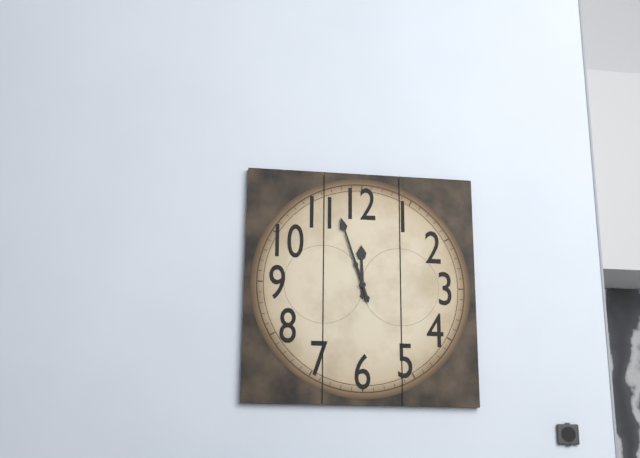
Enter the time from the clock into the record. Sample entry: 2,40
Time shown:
11,57
